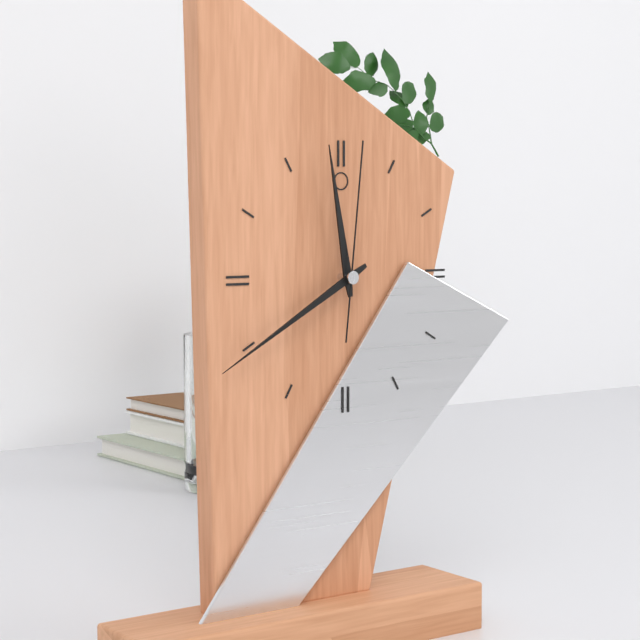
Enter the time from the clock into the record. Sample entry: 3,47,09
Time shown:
11,40,01
